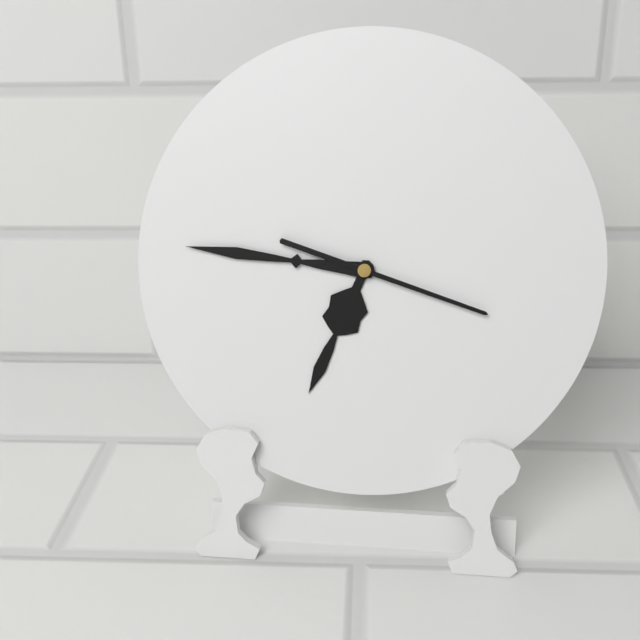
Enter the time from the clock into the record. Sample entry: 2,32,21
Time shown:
6,46,18
